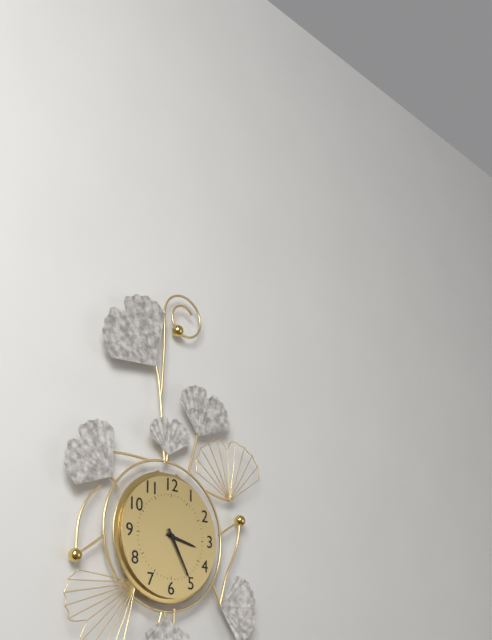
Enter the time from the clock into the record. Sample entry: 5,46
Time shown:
3,25
